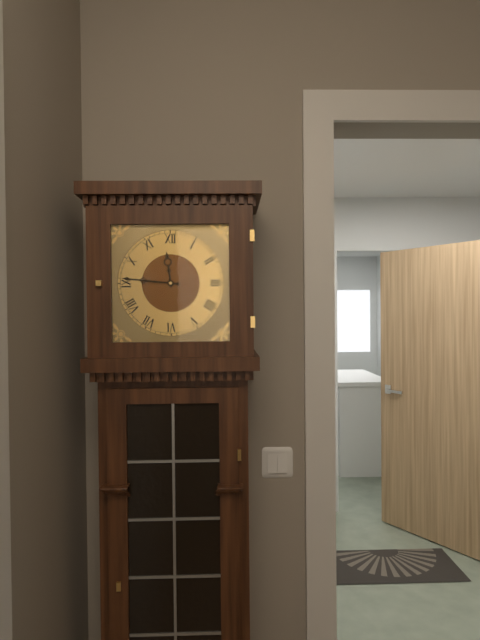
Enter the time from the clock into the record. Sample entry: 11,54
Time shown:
11,46
